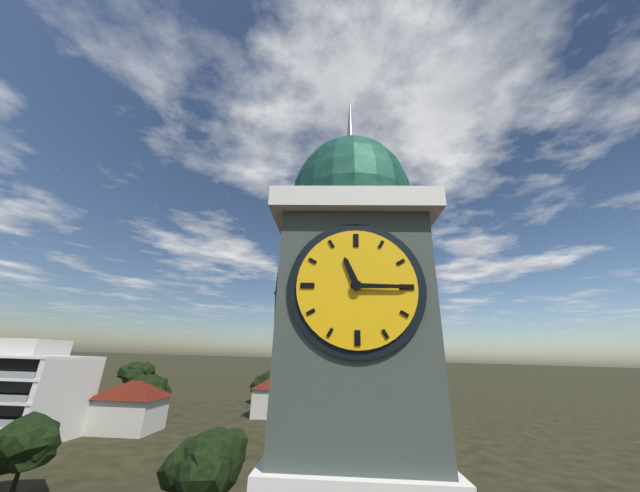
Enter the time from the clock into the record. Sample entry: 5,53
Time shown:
11,15
